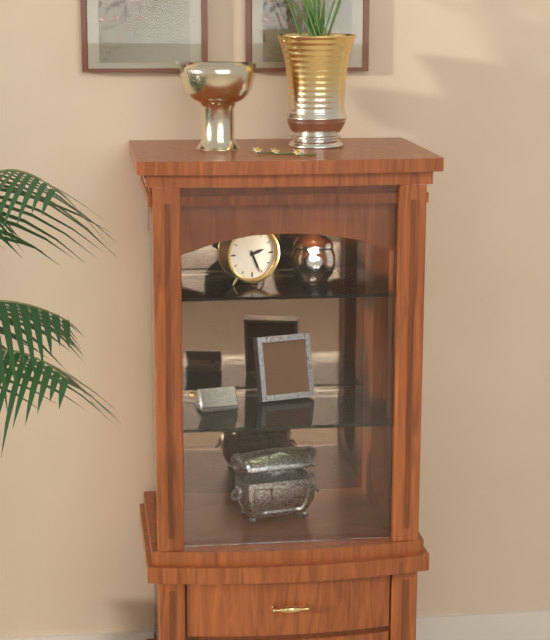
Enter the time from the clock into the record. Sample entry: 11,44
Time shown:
2,26
